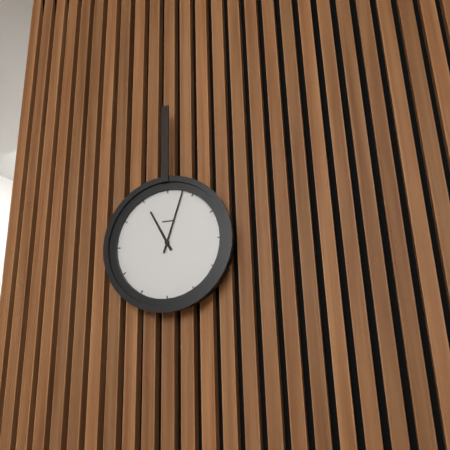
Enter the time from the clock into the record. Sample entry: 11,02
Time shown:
11,03
